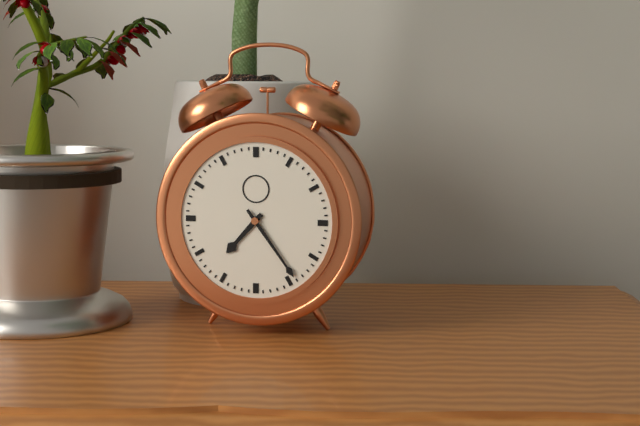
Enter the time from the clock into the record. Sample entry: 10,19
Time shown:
7,24
